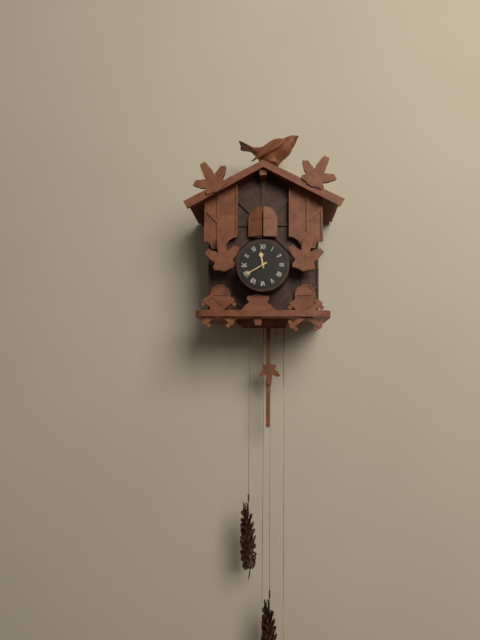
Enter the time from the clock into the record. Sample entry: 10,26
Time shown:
11,40
